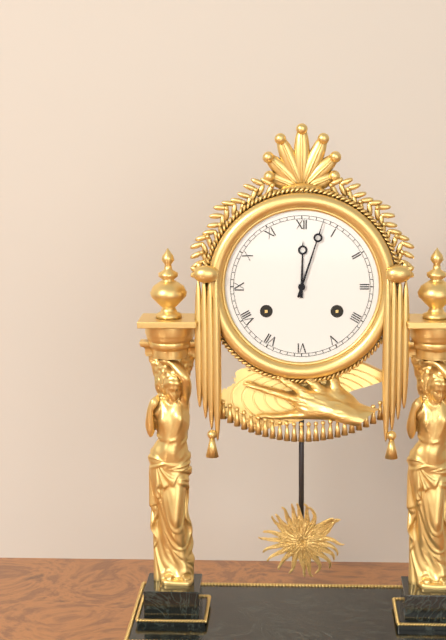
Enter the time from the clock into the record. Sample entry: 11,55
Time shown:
12,03
